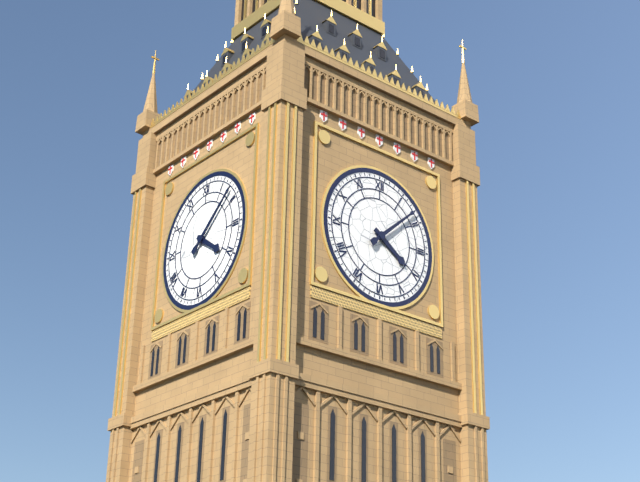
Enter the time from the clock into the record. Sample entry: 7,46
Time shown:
4,08
